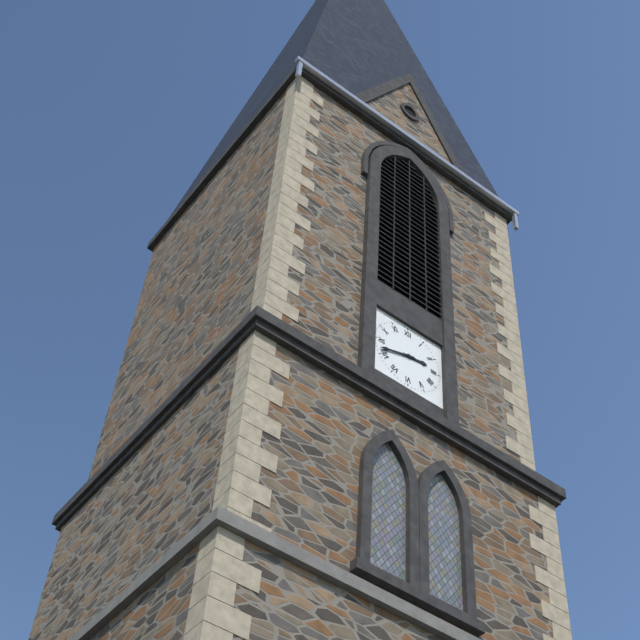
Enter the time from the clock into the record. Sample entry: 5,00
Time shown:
2,42
